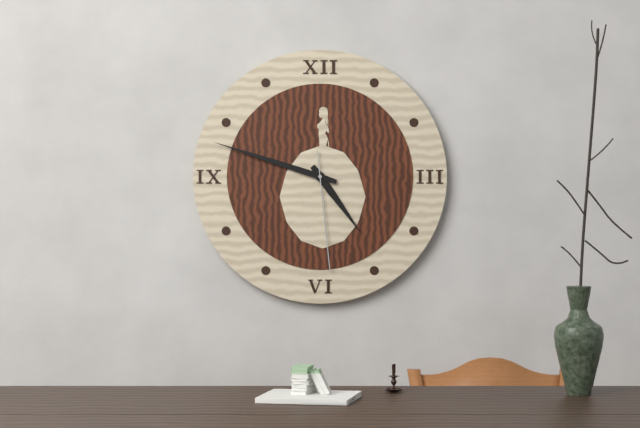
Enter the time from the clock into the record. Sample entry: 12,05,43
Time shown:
4,48,29
